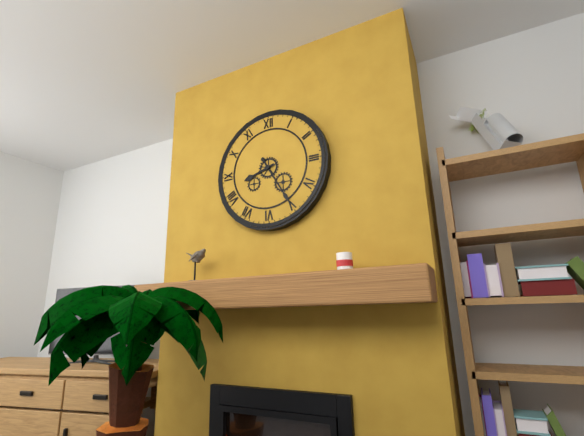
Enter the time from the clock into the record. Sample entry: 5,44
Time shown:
8,25
